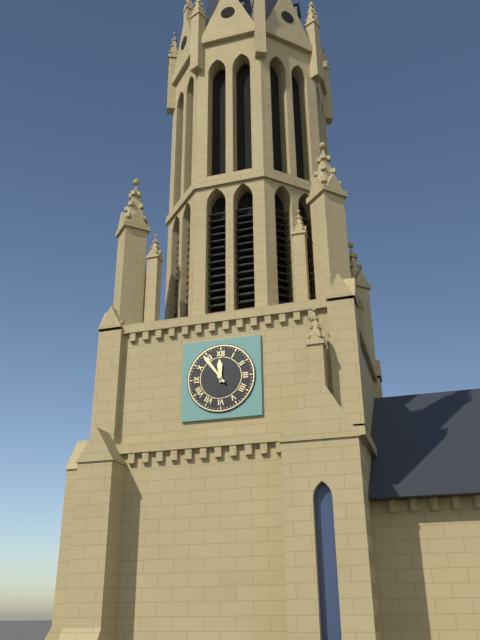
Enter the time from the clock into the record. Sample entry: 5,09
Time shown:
11,54
